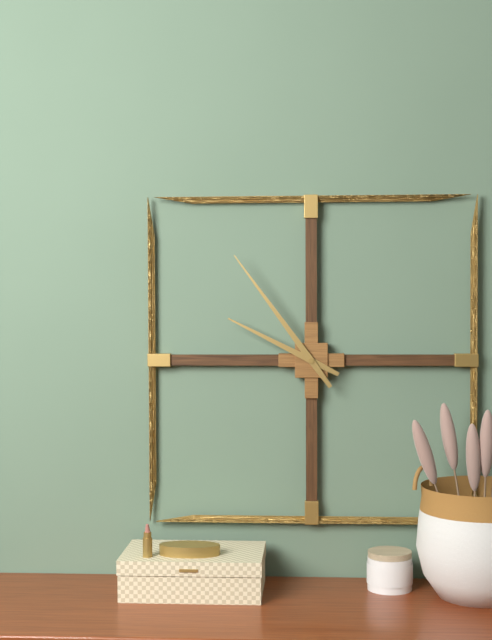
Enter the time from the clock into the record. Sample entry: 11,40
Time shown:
9,54
